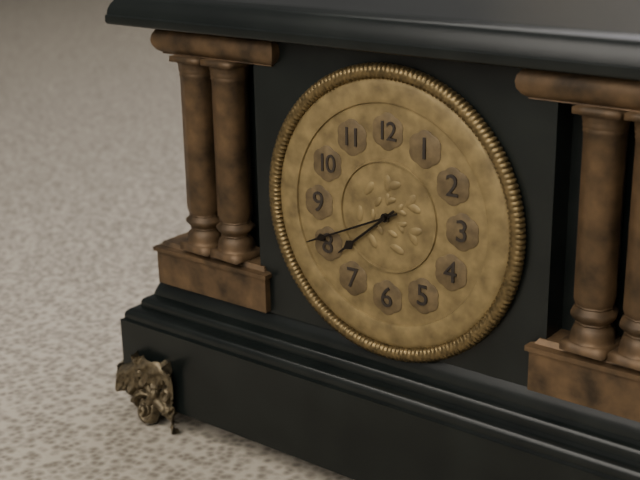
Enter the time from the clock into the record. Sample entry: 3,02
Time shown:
7,41
